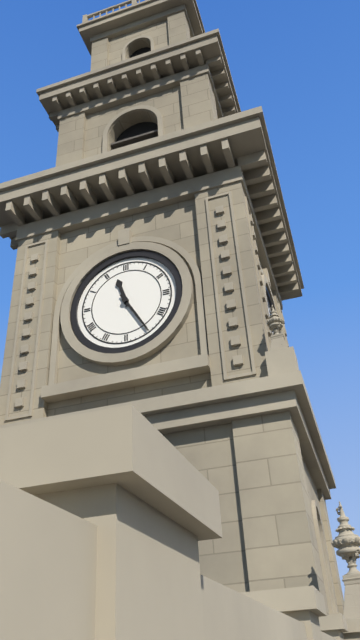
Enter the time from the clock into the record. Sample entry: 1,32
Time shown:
11,25
